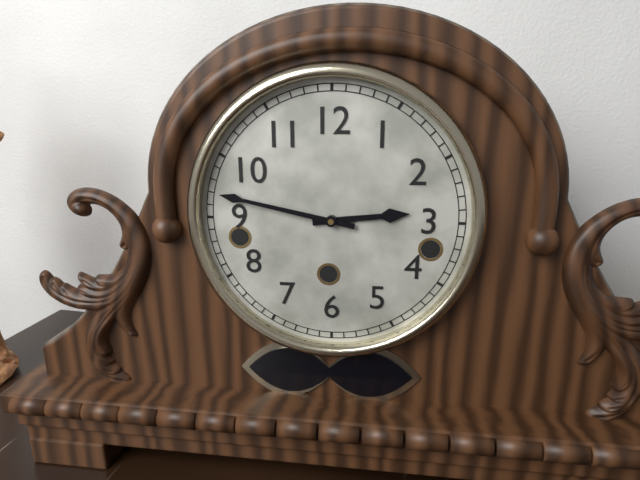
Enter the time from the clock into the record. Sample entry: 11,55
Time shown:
2,47
